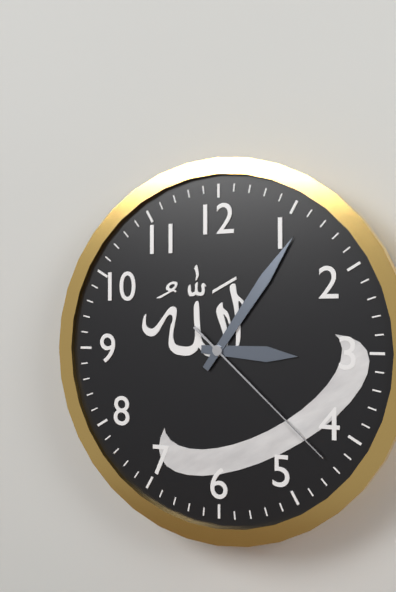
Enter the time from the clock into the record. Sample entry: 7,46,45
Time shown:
3,06,22
